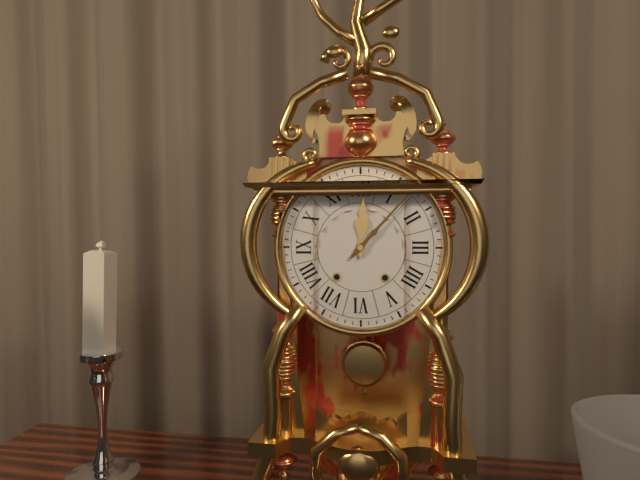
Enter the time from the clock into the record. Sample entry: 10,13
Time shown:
12,07
